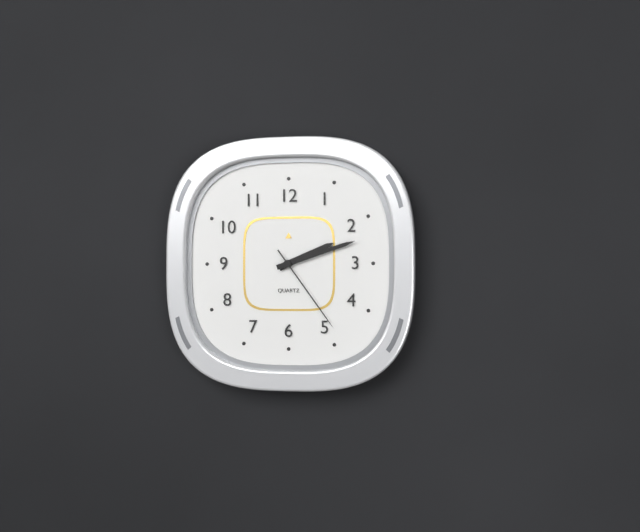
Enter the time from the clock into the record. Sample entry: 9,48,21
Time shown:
2,12,24
